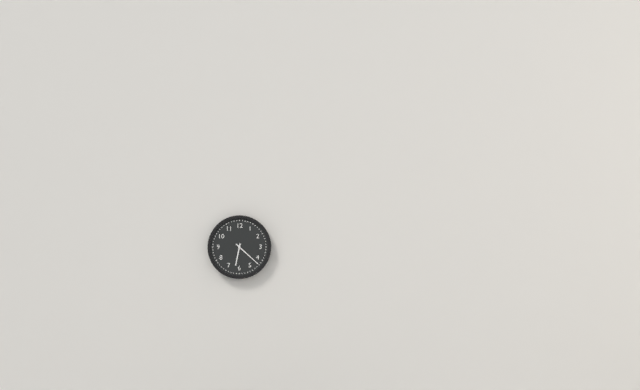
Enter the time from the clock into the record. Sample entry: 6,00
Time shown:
6,22
